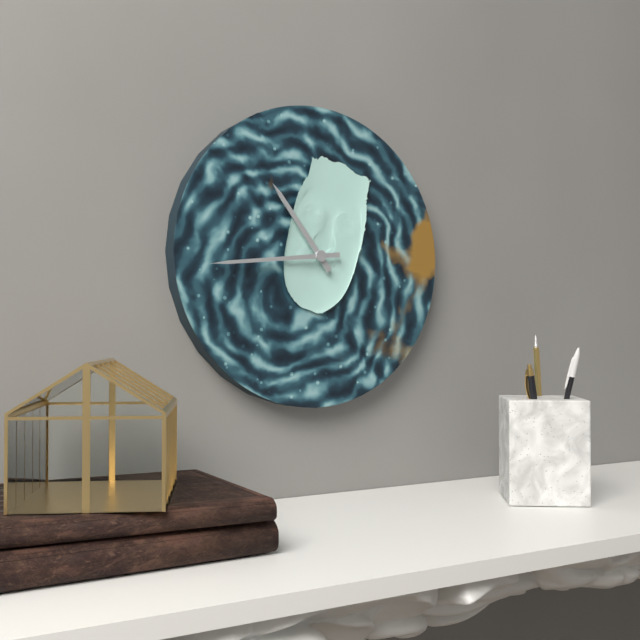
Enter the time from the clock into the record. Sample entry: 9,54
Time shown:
10,44
